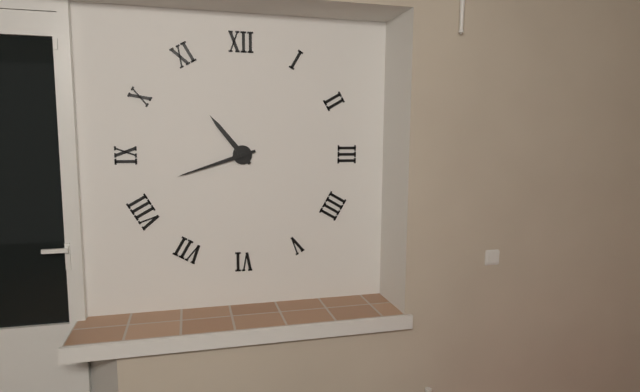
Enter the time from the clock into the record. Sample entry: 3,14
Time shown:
10,42
